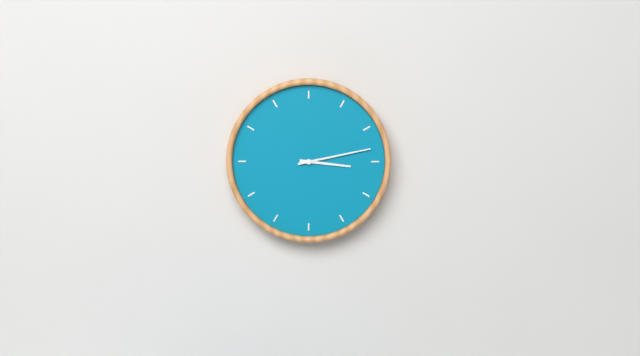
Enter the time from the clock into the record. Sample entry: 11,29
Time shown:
3,13
